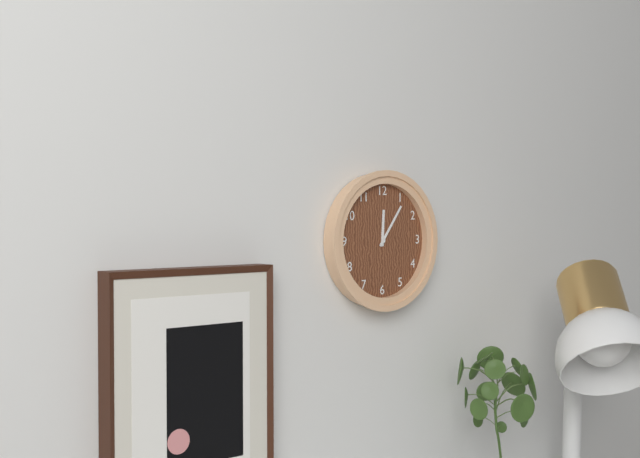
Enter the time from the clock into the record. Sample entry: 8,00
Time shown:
12,06
